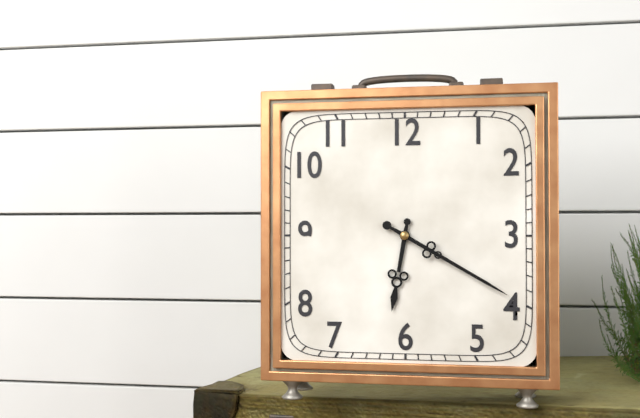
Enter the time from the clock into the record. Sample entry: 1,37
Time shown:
6,20
